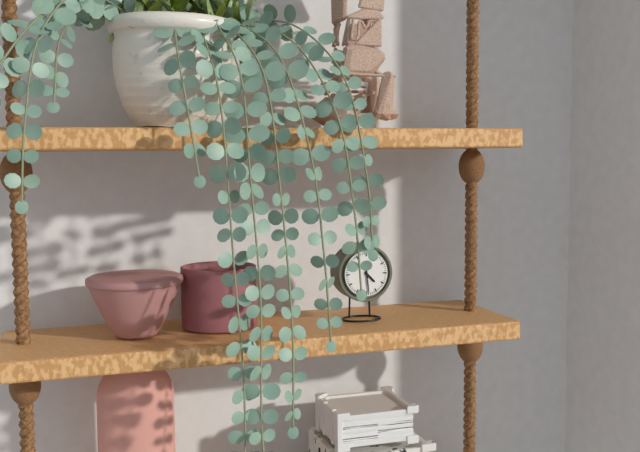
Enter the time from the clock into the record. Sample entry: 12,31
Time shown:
4,29
